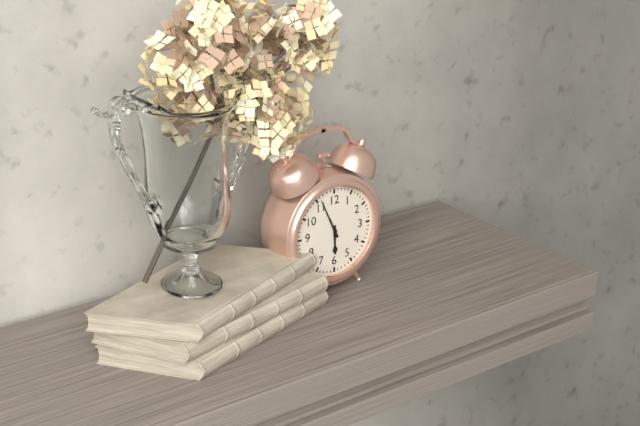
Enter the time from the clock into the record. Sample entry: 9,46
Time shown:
5,56
